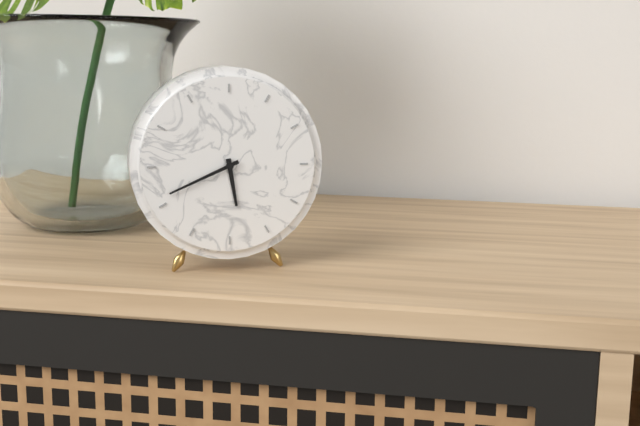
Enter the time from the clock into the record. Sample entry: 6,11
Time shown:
5,41
